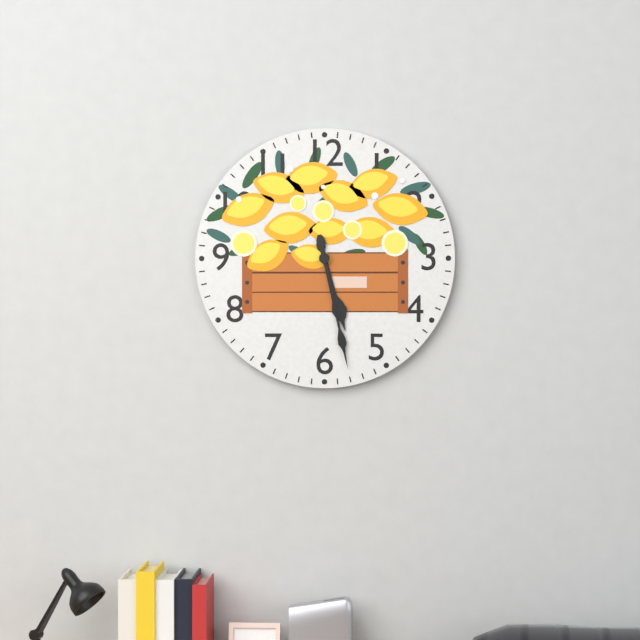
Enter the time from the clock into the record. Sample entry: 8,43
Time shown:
5,28
